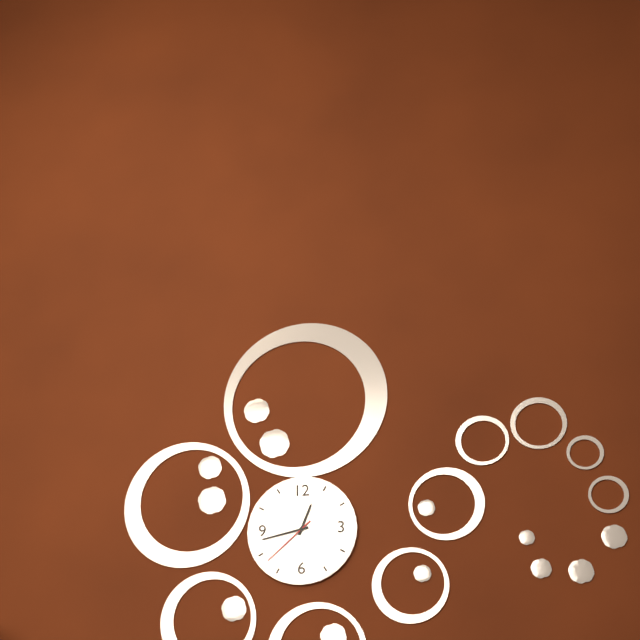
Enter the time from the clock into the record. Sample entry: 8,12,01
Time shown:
12,43,38
